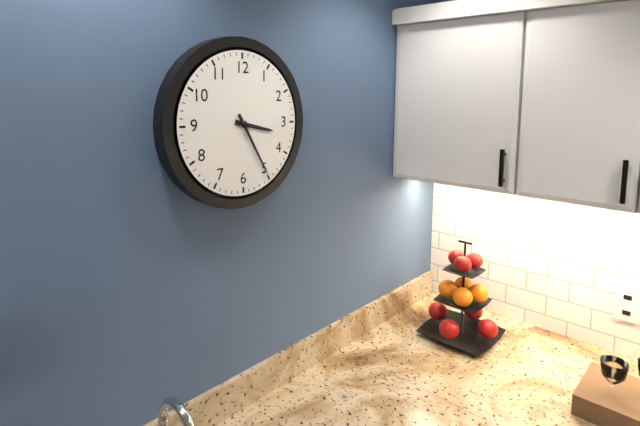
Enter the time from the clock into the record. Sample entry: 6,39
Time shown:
3,25
